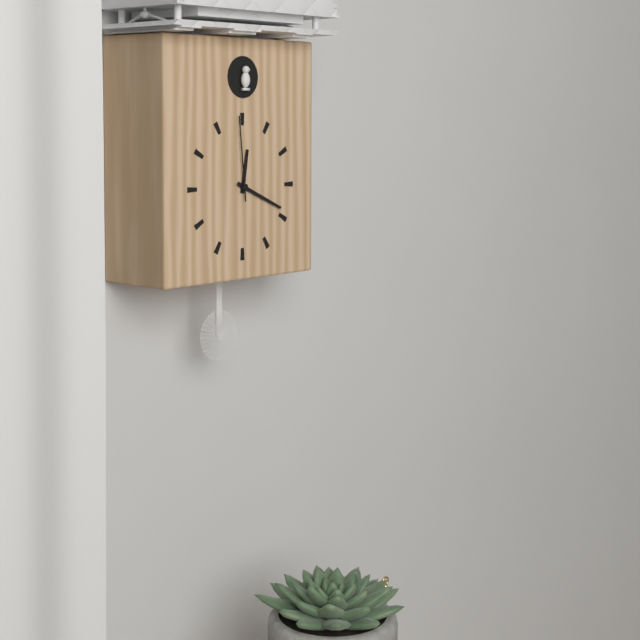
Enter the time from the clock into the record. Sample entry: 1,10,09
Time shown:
12,19,59
